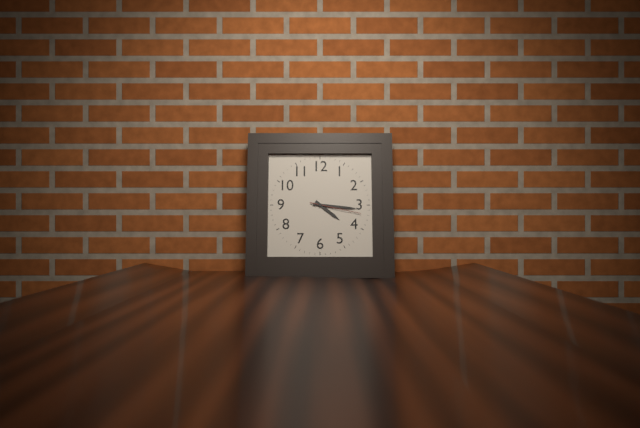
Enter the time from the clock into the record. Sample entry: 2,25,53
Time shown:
4,16,17
